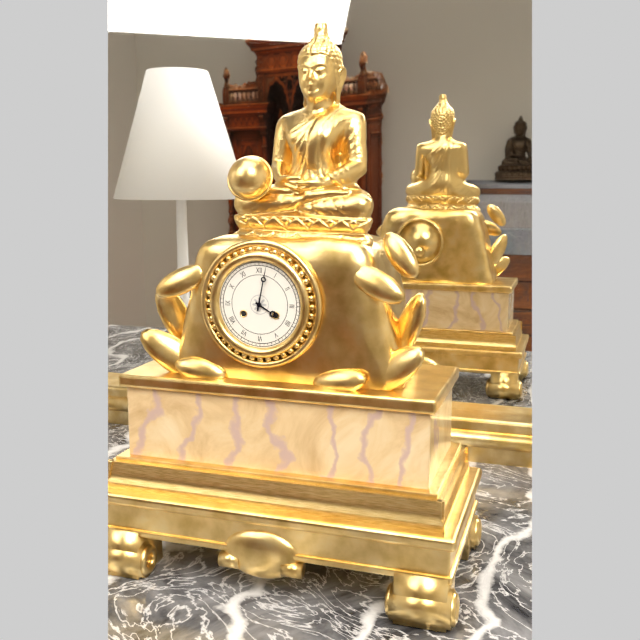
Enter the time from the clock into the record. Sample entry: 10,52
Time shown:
4,02
